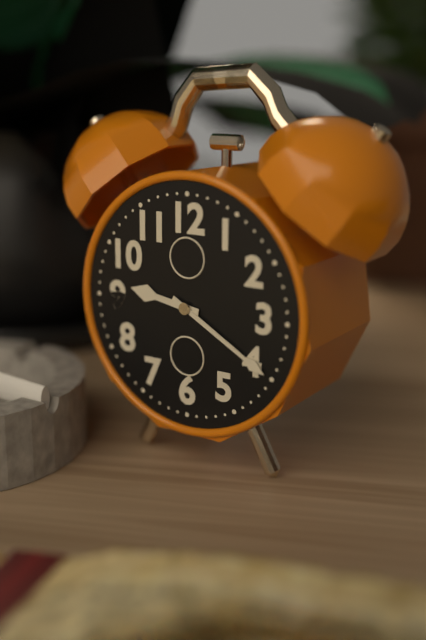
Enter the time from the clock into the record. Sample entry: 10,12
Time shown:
9,20
